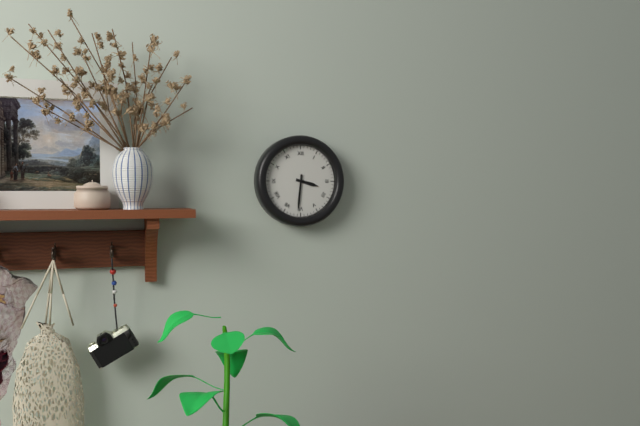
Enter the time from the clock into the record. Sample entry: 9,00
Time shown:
3,31
